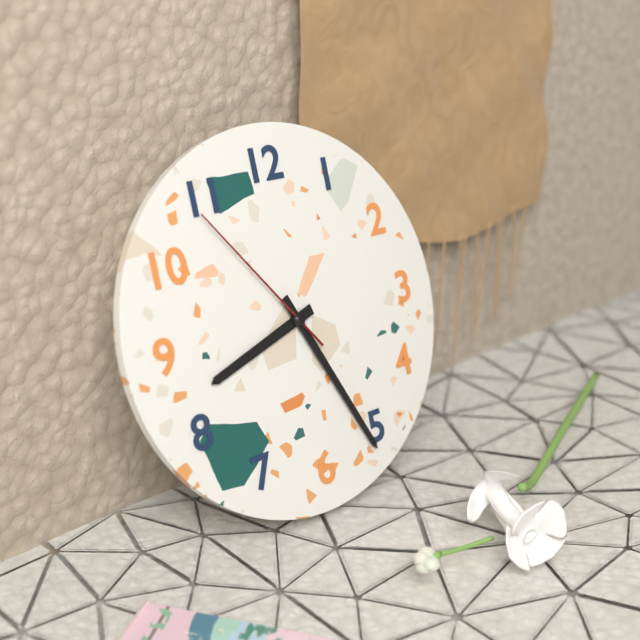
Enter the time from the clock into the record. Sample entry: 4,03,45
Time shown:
8,26,54
